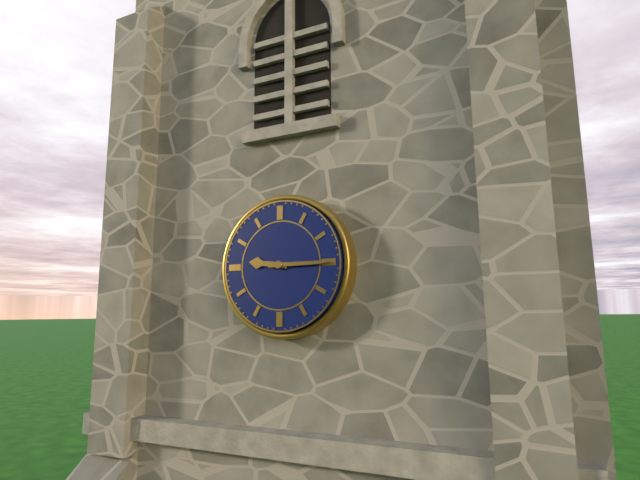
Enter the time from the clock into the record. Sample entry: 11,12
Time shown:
9,15
